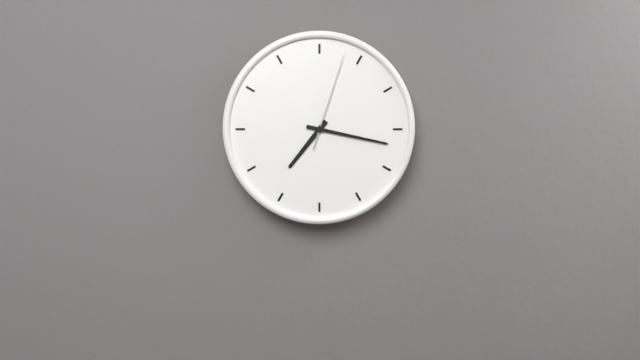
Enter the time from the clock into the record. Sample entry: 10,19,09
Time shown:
7,17,03
